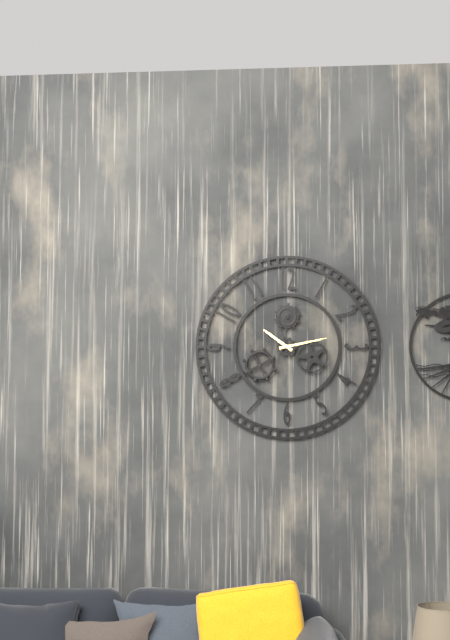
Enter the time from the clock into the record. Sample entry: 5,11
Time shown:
10,13
